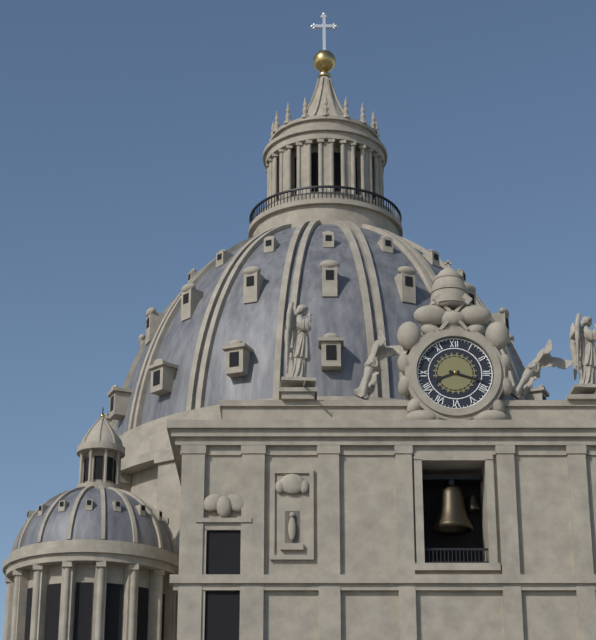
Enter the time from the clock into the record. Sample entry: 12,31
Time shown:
8,18
